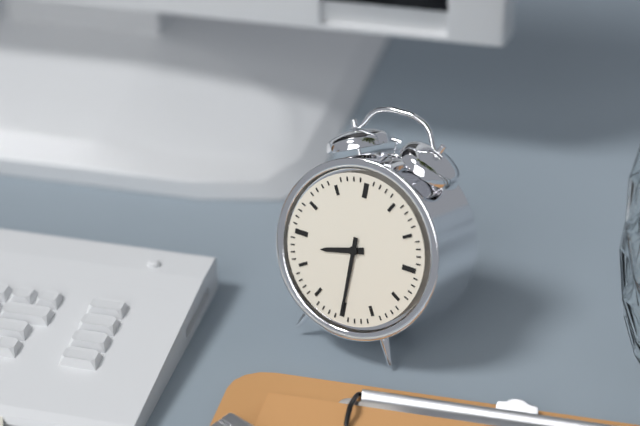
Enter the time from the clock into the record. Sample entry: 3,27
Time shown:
8,30
